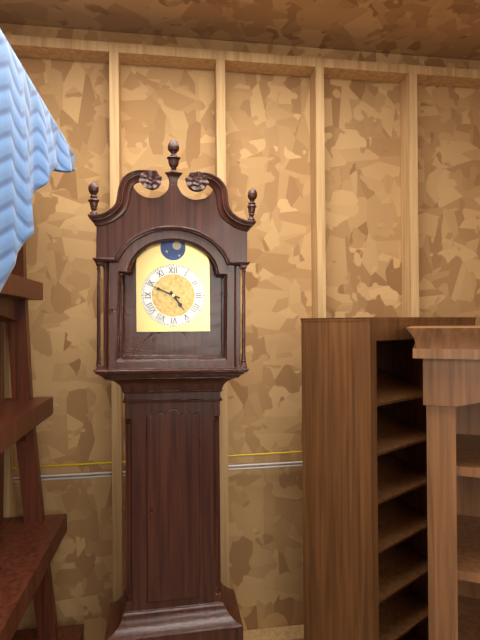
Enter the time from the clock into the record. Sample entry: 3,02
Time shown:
4,49
